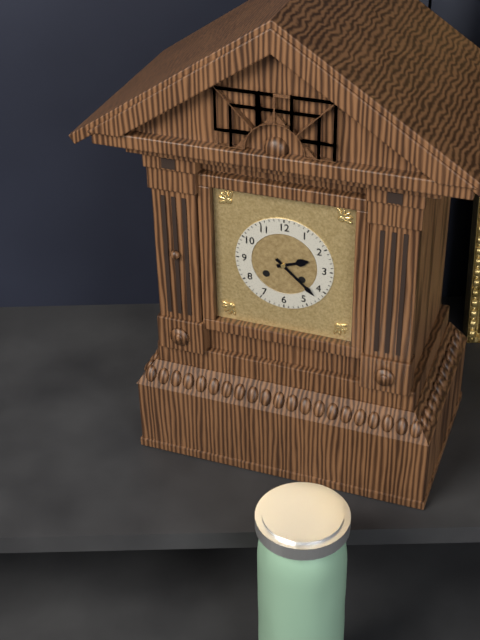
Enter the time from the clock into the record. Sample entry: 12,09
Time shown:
2,22
